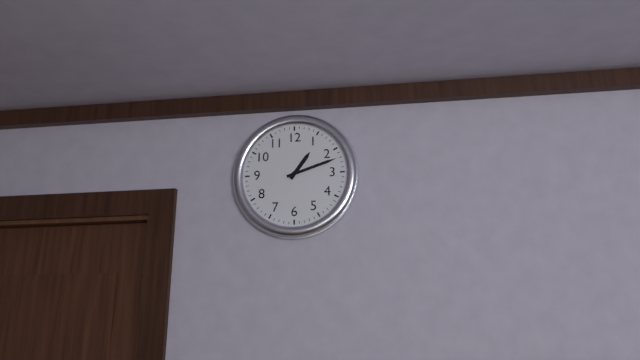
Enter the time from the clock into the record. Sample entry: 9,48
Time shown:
1,12
